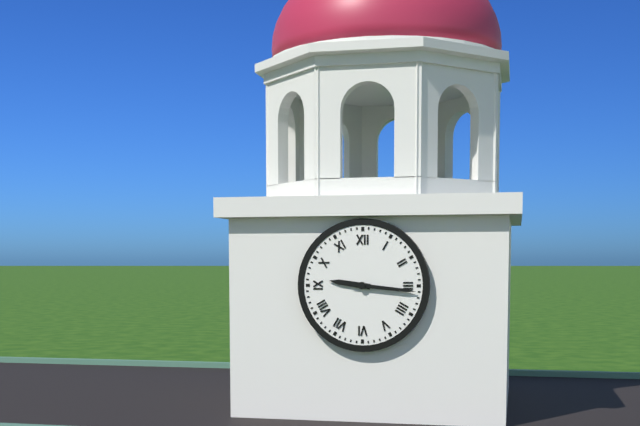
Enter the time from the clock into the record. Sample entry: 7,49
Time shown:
9,16
